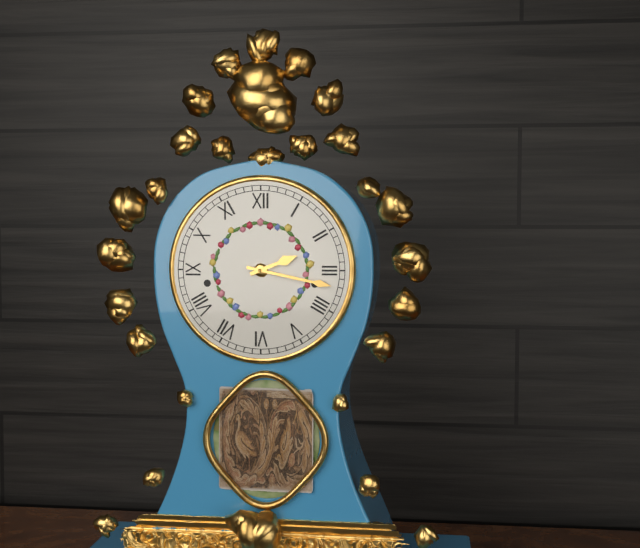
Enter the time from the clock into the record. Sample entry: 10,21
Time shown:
2,17
